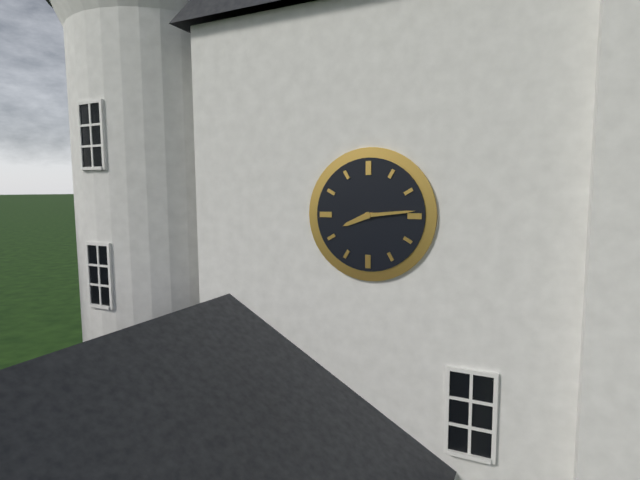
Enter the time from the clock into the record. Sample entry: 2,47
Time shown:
8,14
